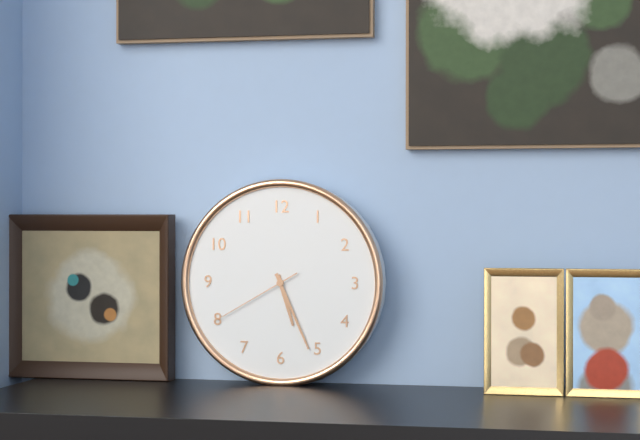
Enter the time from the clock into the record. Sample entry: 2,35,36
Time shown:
5,26,40
